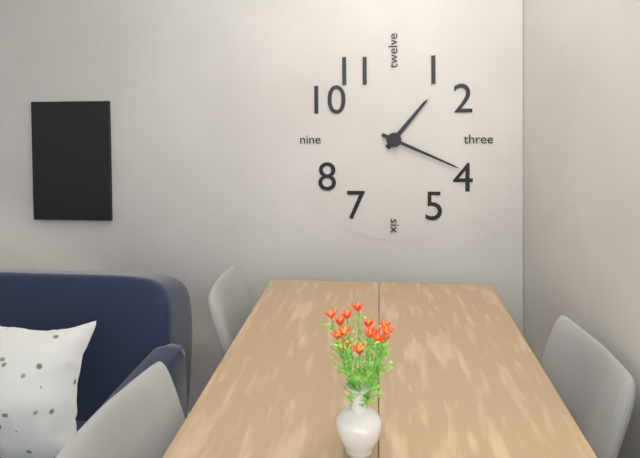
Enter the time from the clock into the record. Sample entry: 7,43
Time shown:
1,19
